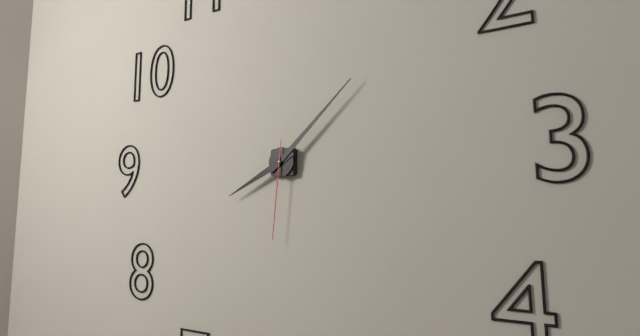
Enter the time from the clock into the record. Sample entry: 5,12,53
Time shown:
8,08,31
